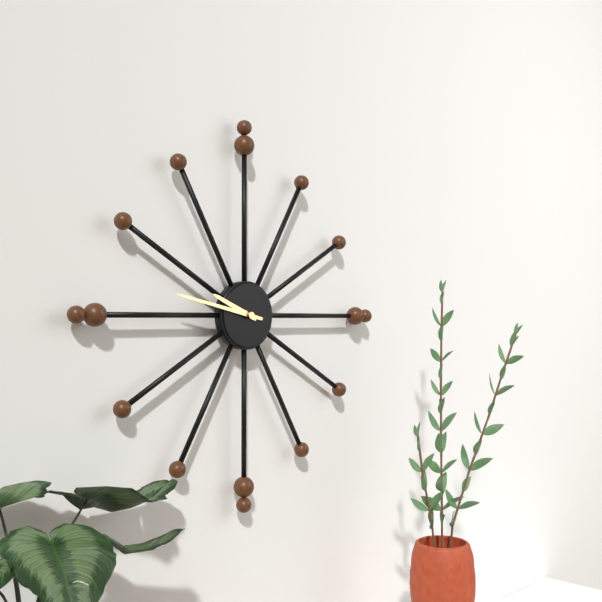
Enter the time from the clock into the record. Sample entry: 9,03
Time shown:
9,47
